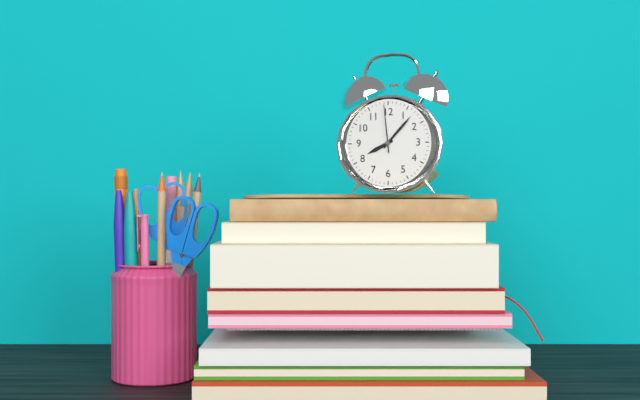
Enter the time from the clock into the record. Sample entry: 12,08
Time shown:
8,07
